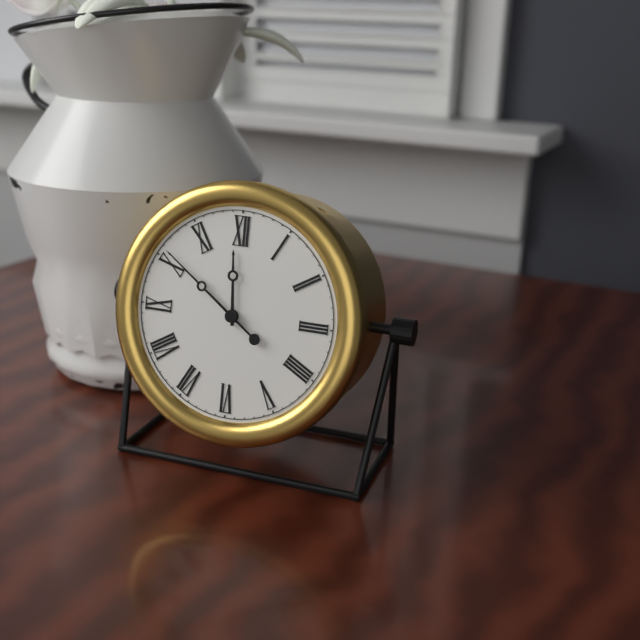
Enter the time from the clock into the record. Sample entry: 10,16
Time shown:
11,51
